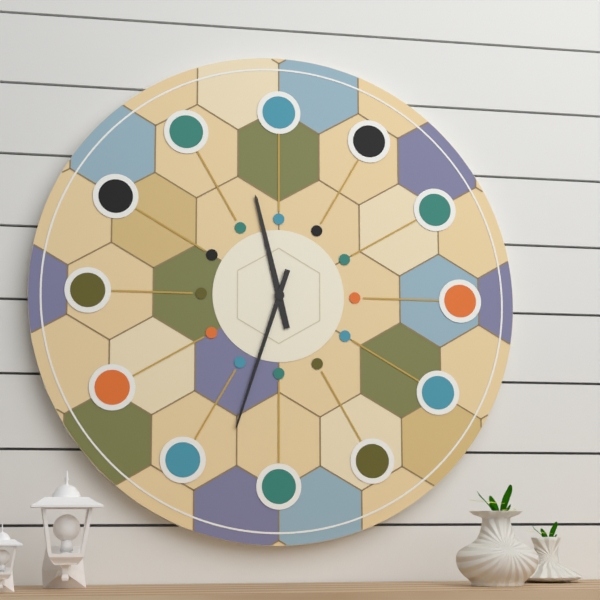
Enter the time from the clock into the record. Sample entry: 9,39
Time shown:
11,33
